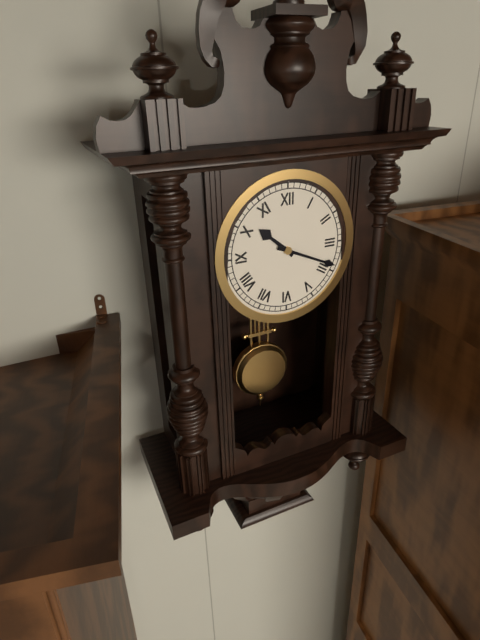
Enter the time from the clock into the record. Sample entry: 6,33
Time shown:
10,19
